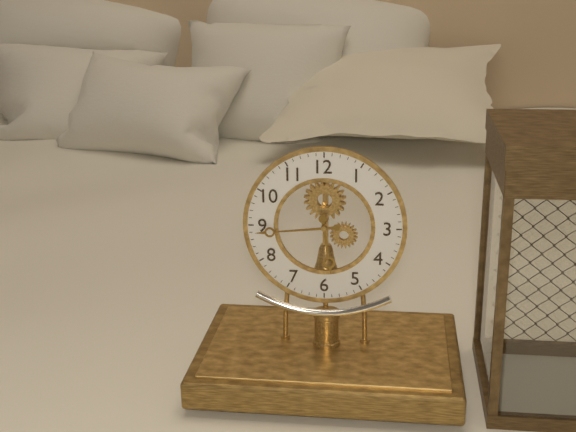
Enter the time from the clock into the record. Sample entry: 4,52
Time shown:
5,44
